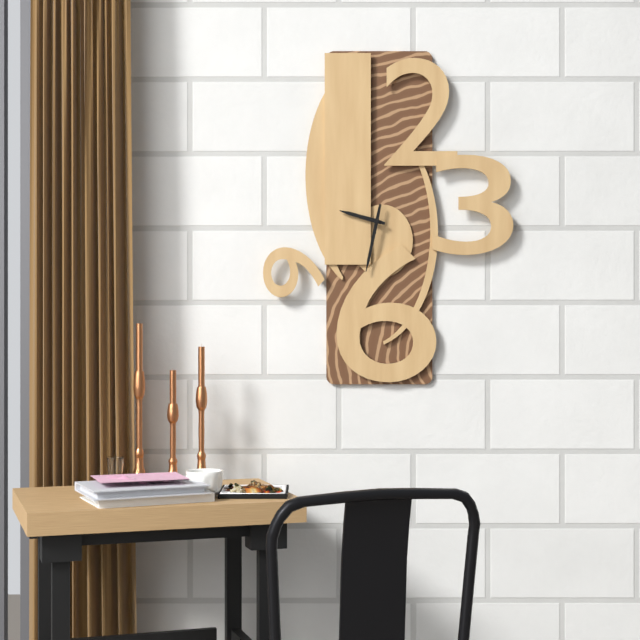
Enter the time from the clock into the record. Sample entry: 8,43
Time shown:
9,32
